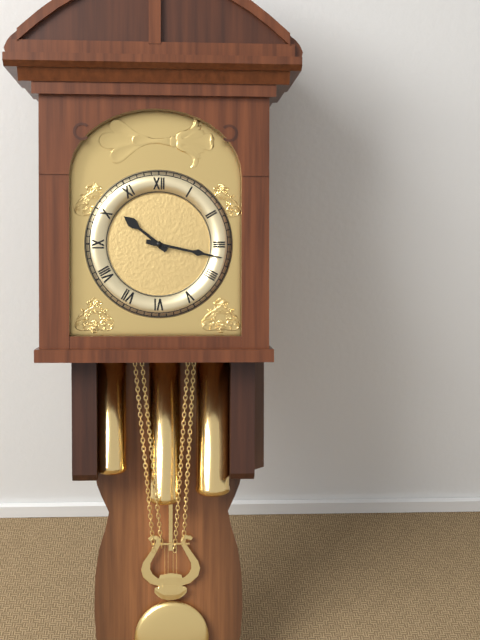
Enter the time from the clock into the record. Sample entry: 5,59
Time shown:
10,17
